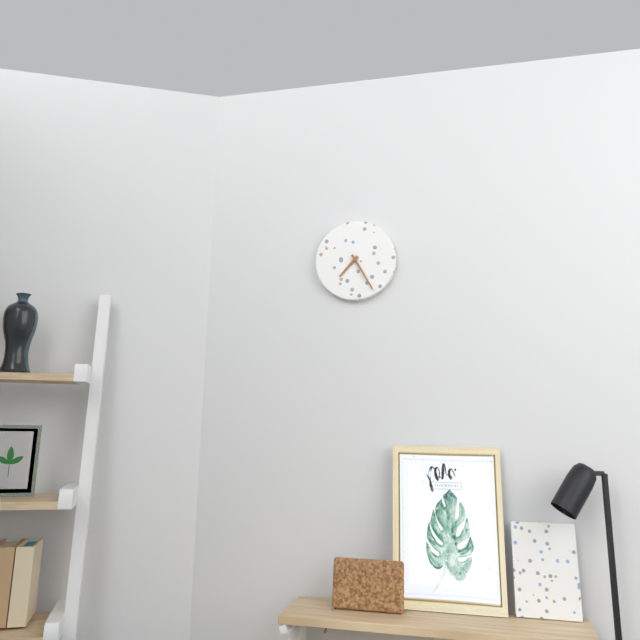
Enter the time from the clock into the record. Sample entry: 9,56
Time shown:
7,25
